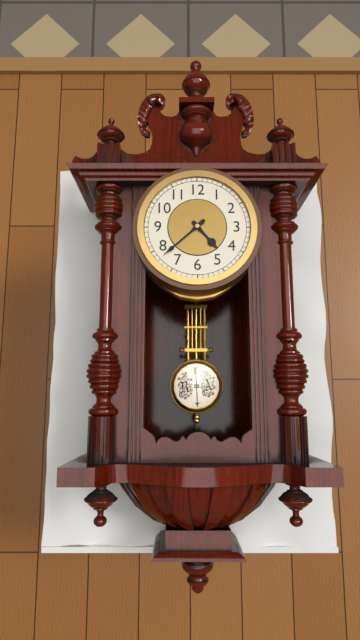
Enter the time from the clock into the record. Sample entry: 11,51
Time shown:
4,38
